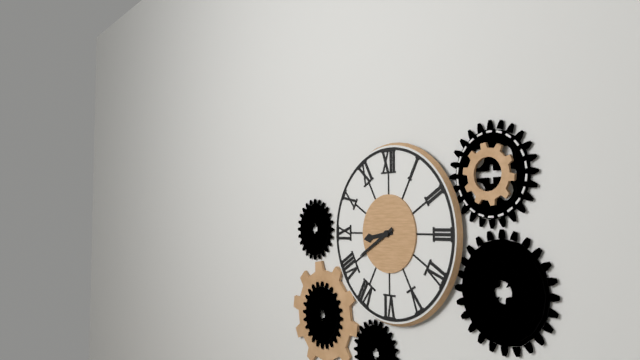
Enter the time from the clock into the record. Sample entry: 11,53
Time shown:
8,40
